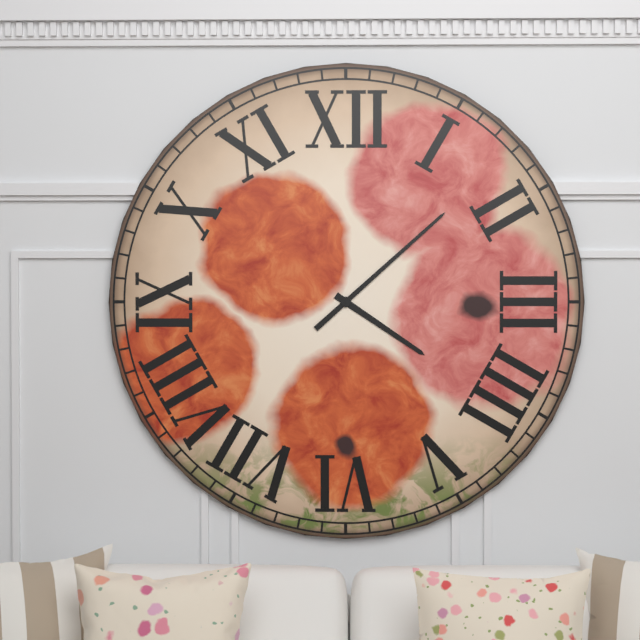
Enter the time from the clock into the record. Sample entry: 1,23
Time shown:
4,08
